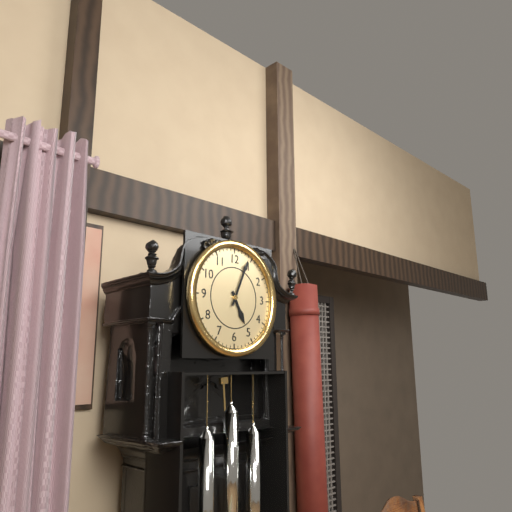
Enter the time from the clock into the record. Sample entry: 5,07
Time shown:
5,04
